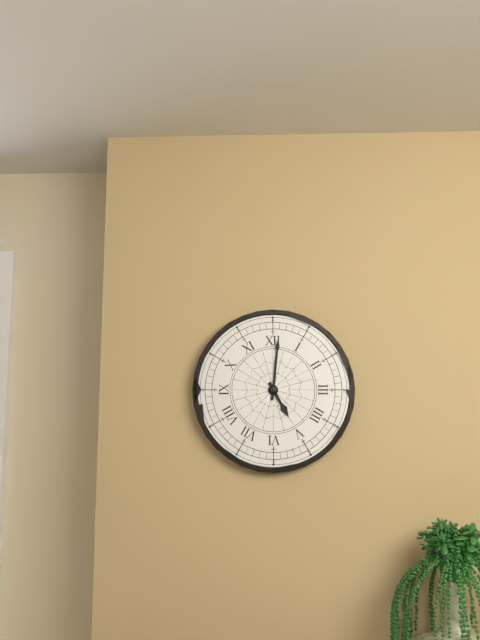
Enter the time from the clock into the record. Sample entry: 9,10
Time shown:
5,01
